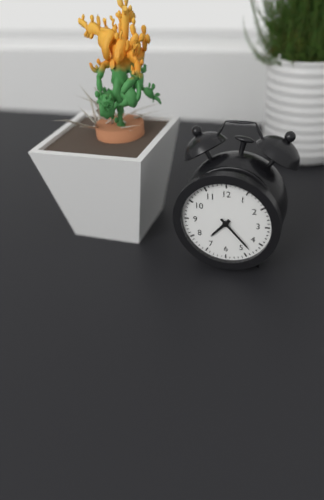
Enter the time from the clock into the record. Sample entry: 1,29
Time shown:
7,23
